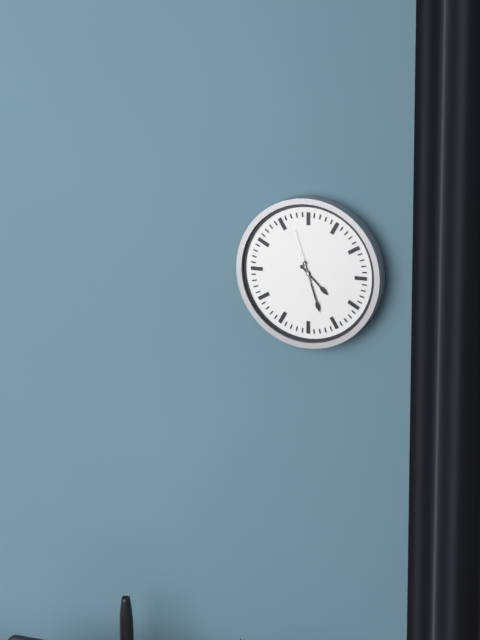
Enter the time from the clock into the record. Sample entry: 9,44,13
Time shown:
4,27,57
